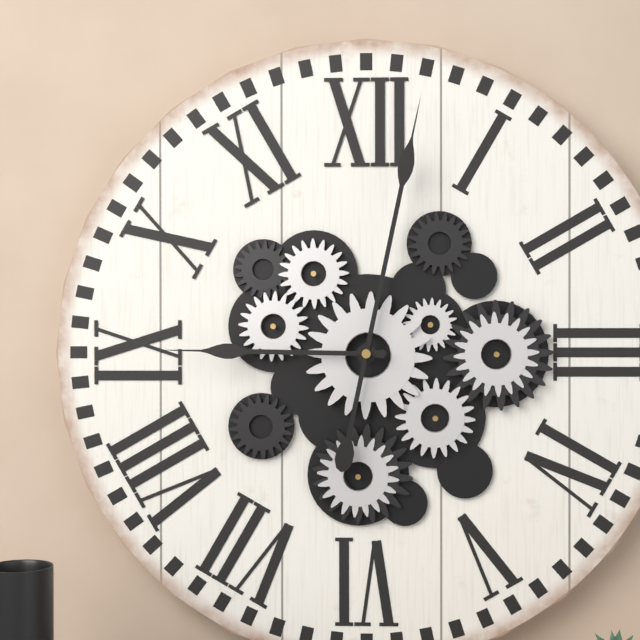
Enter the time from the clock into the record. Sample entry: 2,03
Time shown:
9,02
